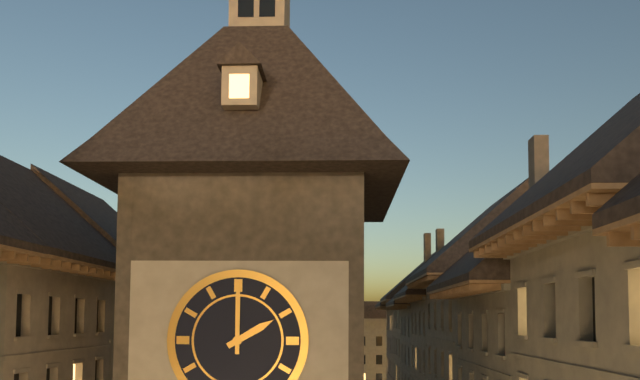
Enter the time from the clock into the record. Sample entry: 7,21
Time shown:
2,00
